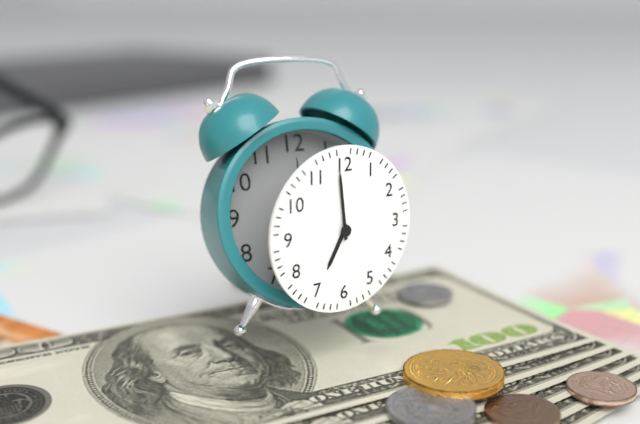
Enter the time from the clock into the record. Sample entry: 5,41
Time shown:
6,59
